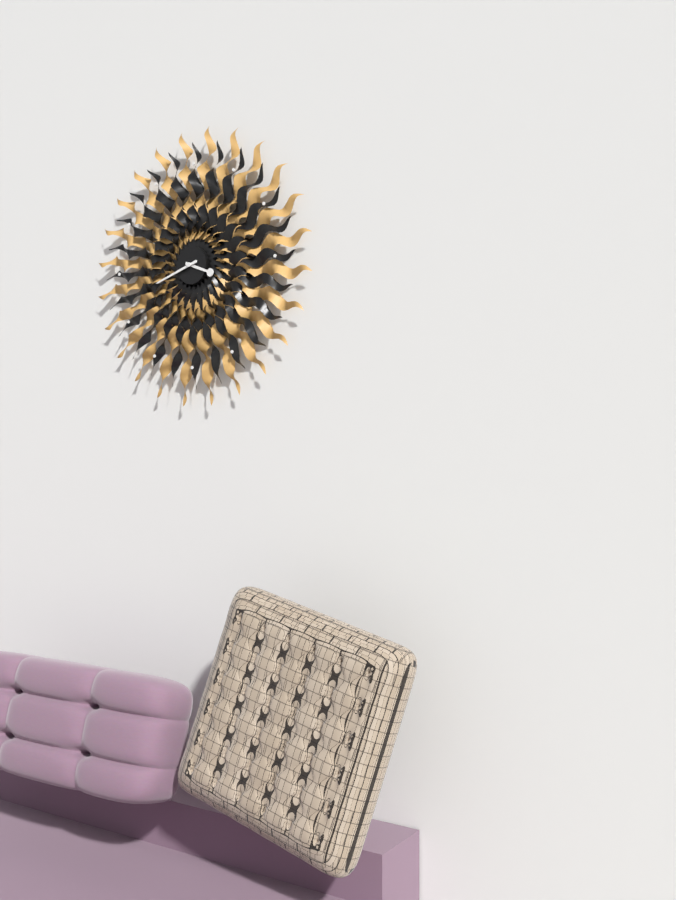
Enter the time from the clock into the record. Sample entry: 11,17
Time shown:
3,42
